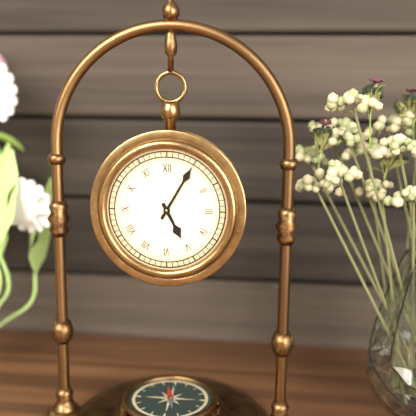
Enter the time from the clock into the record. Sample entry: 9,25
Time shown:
5,05
